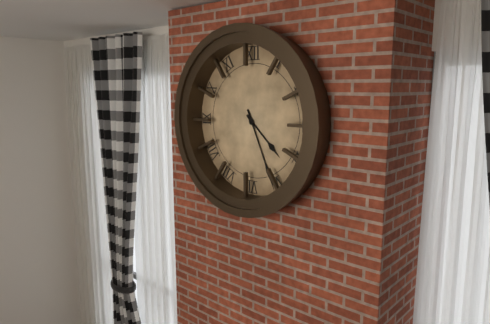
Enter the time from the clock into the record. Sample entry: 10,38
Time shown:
4,26
